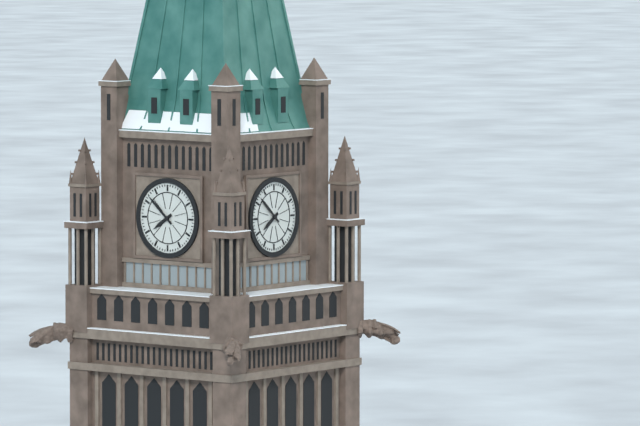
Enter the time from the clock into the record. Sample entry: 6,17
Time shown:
7,52
